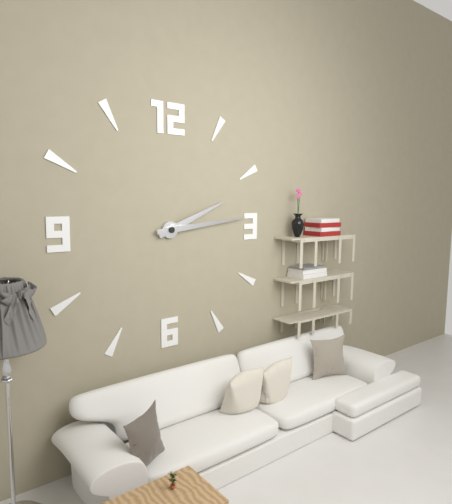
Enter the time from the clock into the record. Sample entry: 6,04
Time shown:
2,14
